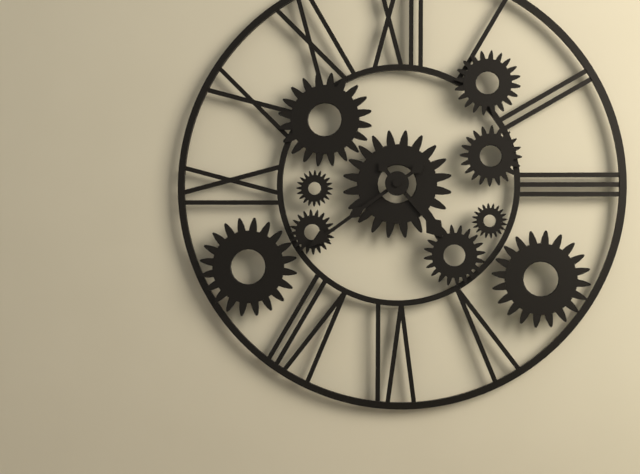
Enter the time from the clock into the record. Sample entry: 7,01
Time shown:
4,39
